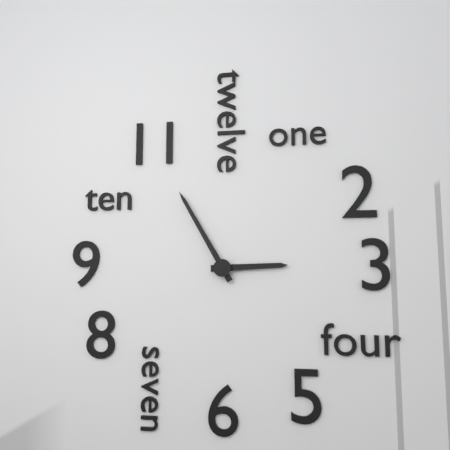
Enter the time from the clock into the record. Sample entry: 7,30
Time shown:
2,55
